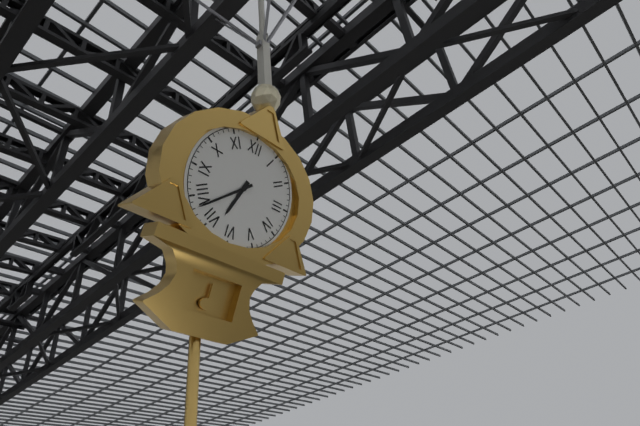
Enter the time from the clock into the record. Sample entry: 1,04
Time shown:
6,38
